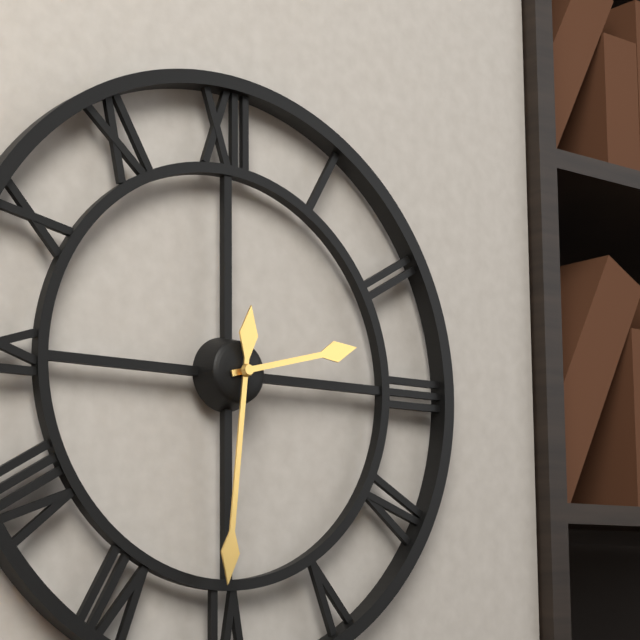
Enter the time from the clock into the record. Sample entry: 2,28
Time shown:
2,31
